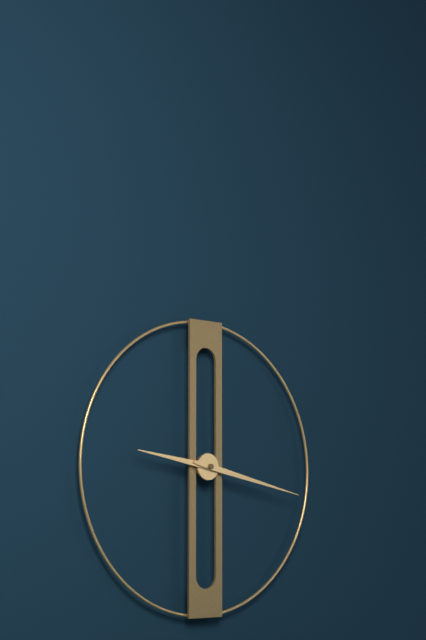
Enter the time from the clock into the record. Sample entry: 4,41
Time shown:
9,17
